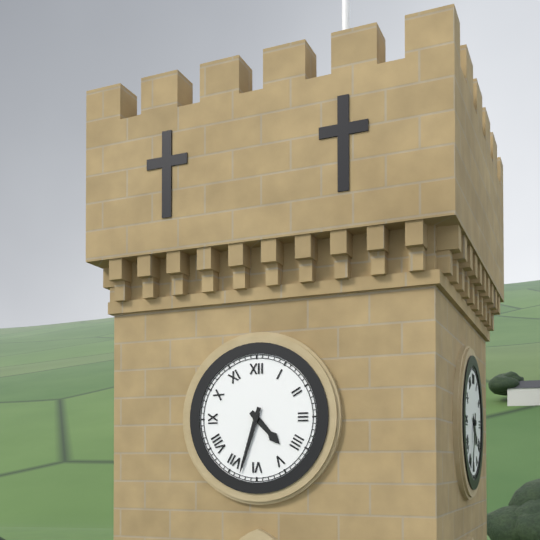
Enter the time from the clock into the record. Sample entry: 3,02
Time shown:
4,33
